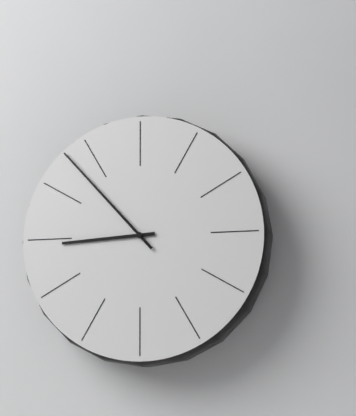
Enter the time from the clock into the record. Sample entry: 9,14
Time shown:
8,53
